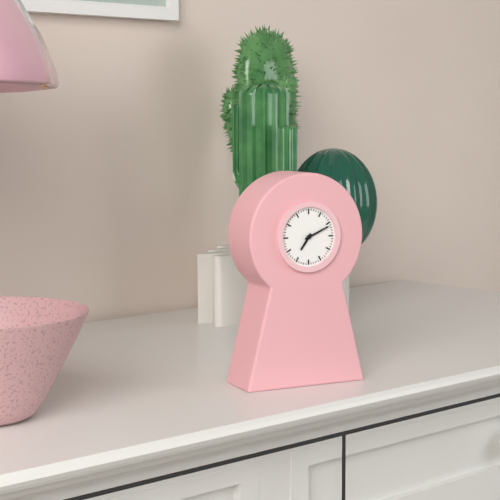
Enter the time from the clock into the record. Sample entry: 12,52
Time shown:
7,11
